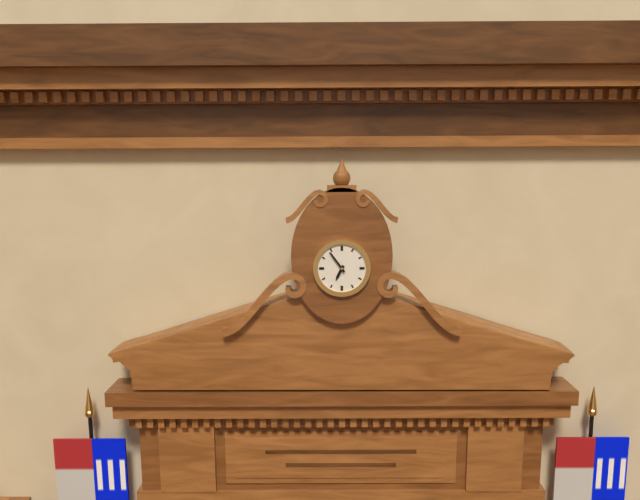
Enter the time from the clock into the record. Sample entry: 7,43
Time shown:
6,54
